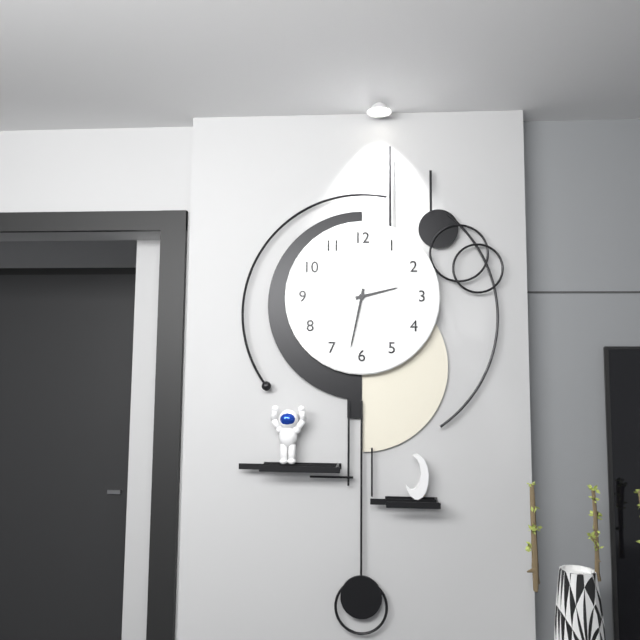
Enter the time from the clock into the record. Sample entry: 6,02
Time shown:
2,32
